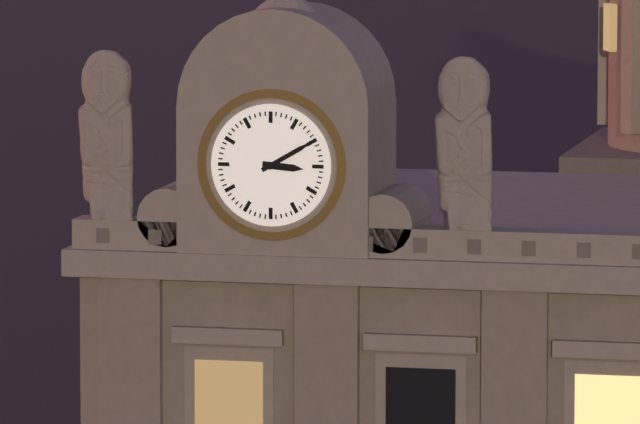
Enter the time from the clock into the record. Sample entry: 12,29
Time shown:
3,10
